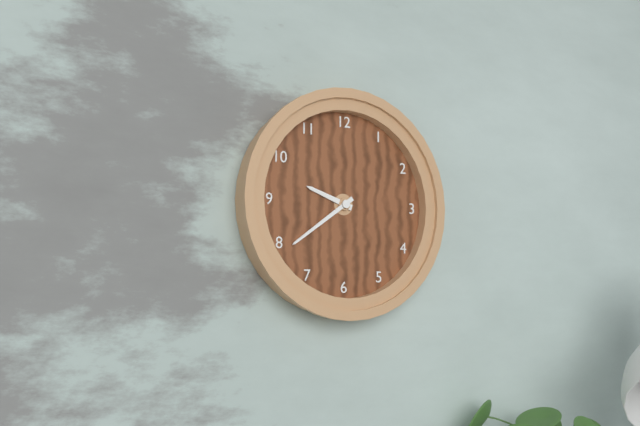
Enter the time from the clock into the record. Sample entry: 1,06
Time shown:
9,39
